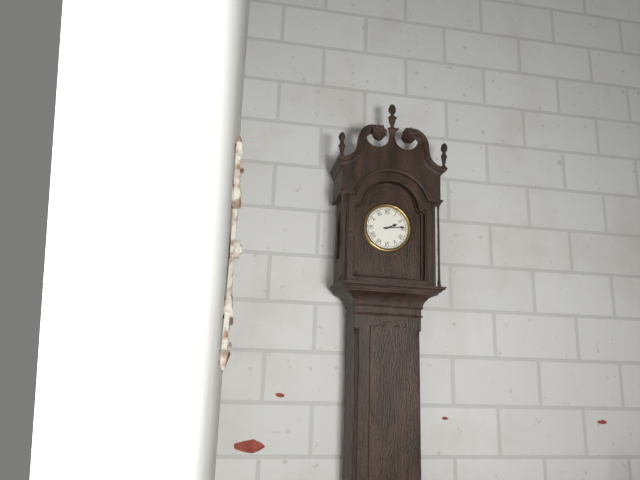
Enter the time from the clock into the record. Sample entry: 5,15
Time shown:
2,14
